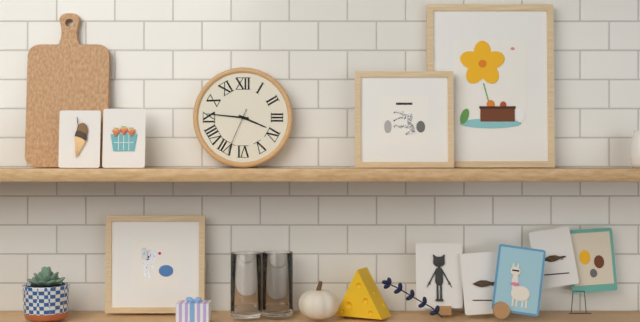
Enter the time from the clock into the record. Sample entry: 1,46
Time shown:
3,46
